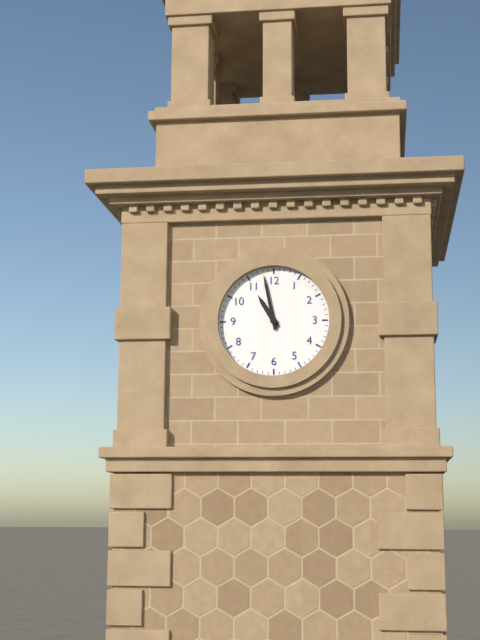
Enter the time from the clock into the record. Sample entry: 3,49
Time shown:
10,58
